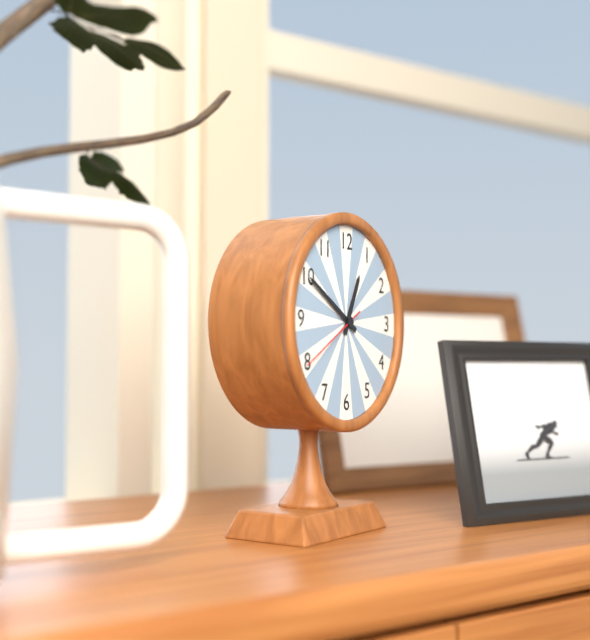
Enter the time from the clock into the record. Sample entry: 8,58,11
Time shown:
12,50,40
